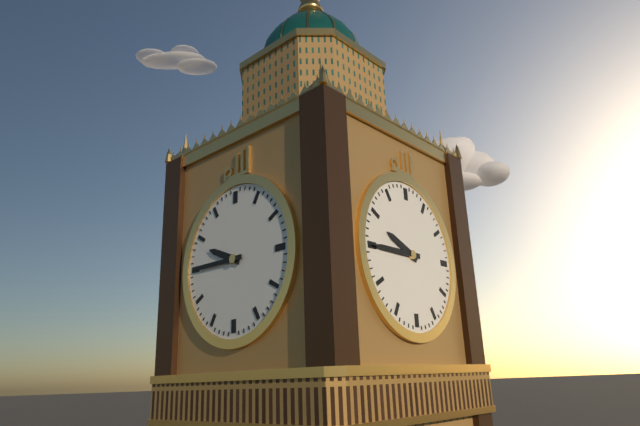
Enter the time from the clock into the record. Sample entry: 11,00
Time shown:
9,45
